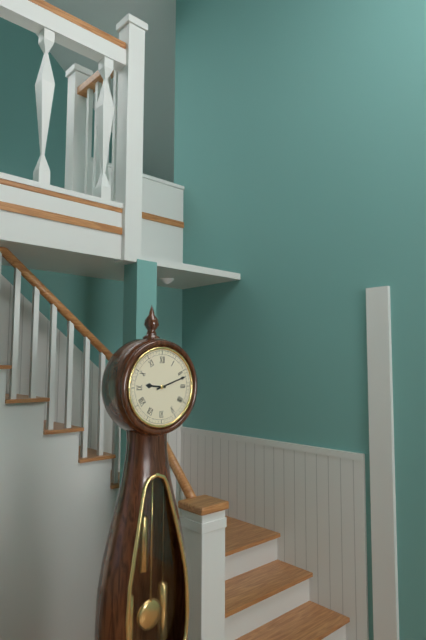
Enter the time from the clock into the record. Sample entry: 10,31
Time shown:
9,12
